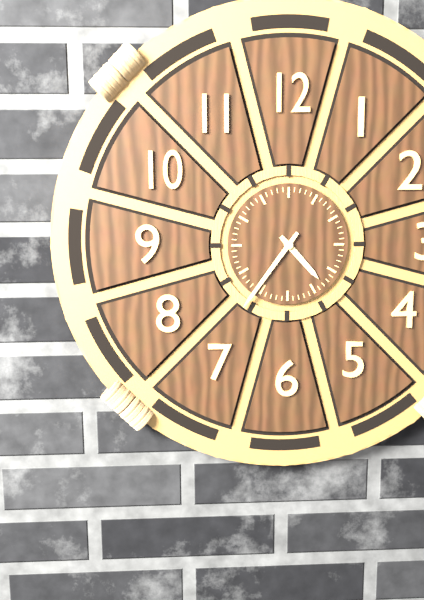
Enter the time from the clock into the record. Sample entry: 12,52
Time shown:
4,36
